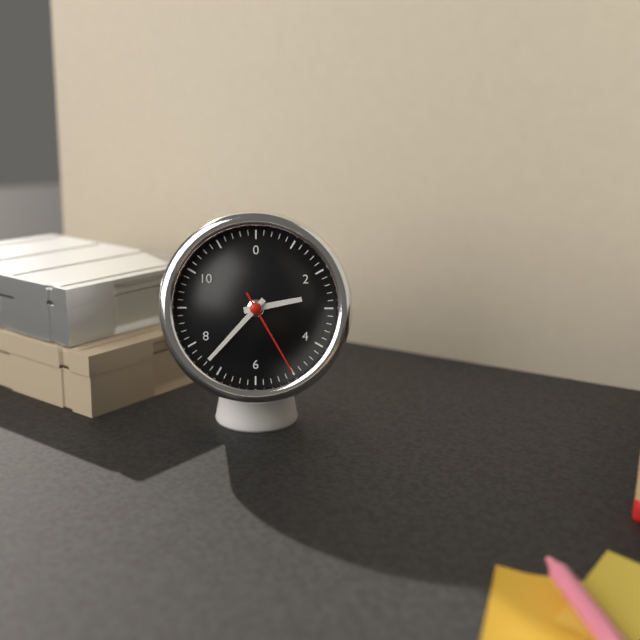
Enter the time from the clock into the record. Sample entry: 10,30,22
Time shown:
2,37,25
